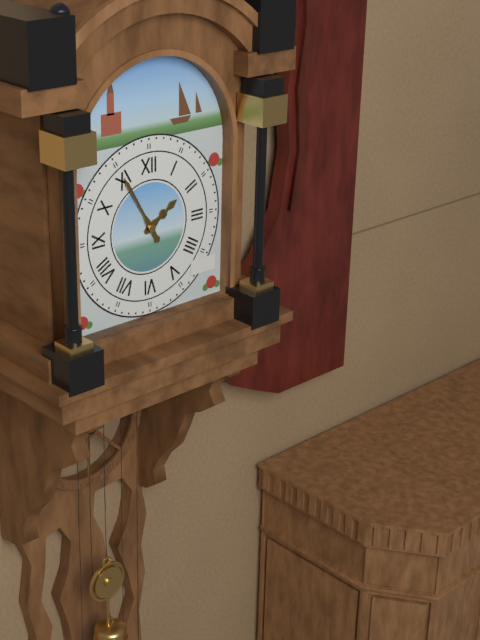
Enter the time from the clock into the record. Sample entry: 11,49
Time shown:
1,55
